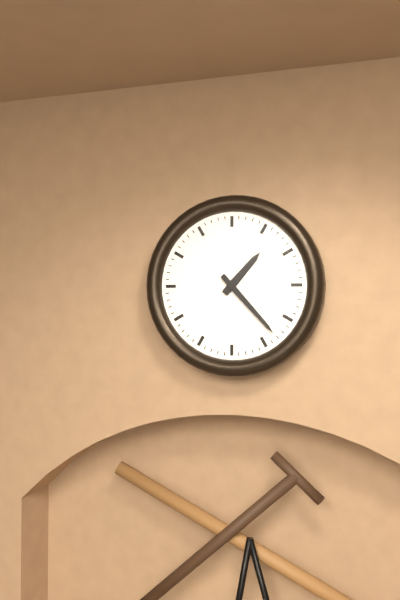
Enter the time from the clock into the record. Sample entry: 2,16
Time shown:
1,23
